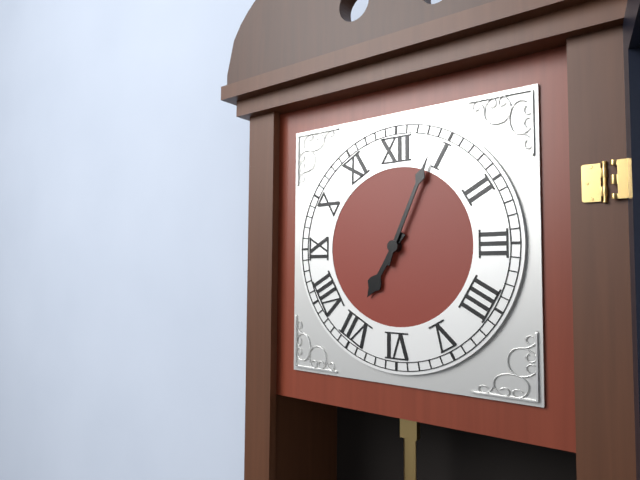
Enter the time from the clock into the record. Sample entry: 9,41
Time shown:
7,04
